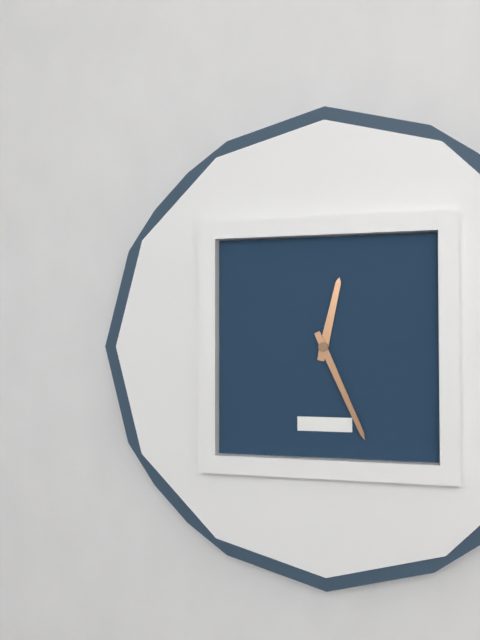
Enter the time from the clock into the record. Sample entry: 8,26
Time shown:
12,26
